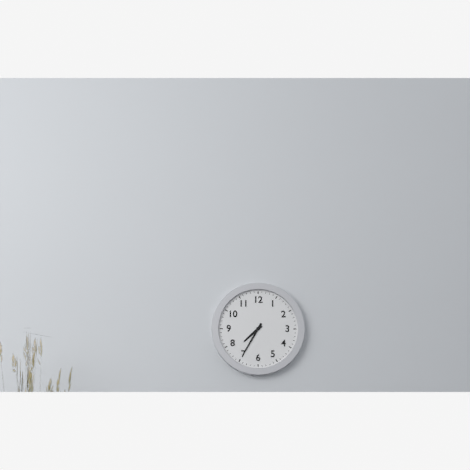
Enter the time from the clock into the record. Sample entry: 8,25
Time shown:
7,35
